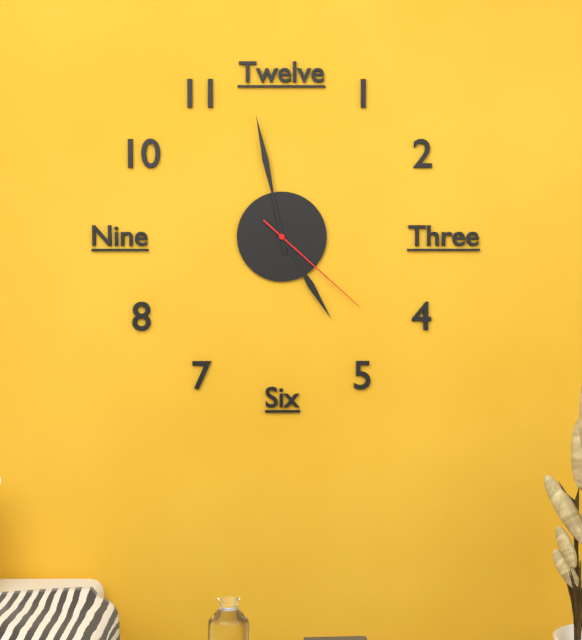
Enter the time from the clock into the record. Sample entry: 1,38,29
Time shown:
4,58,22
